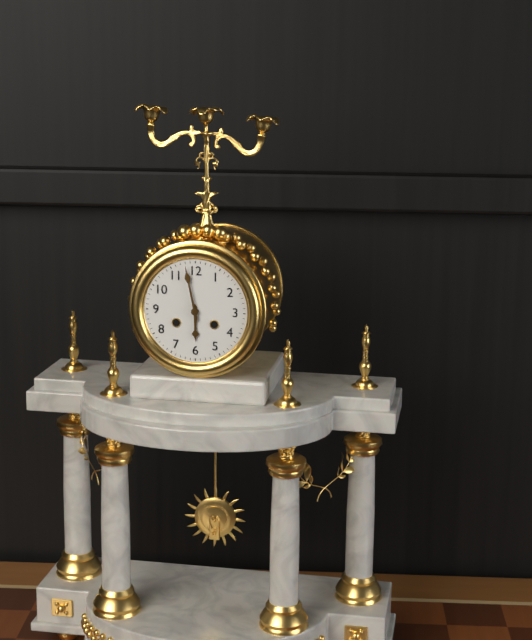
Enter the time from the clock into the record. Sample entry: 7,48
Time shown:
5,58
